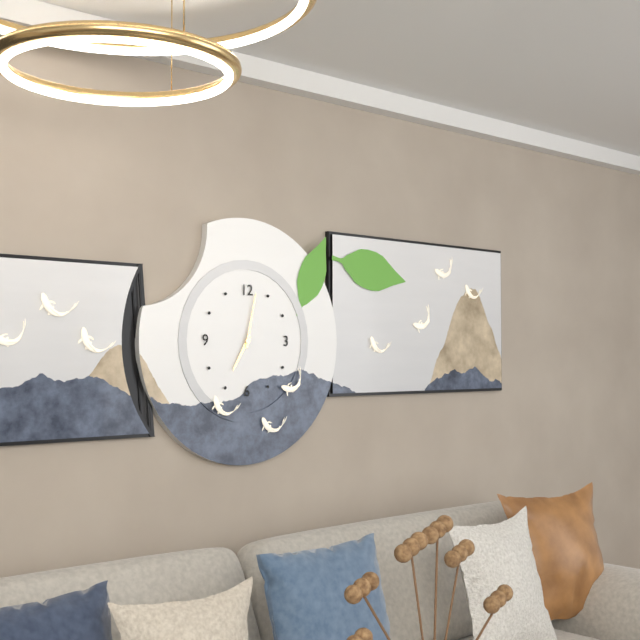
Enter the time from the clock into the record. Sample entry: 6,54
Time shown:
7,02
